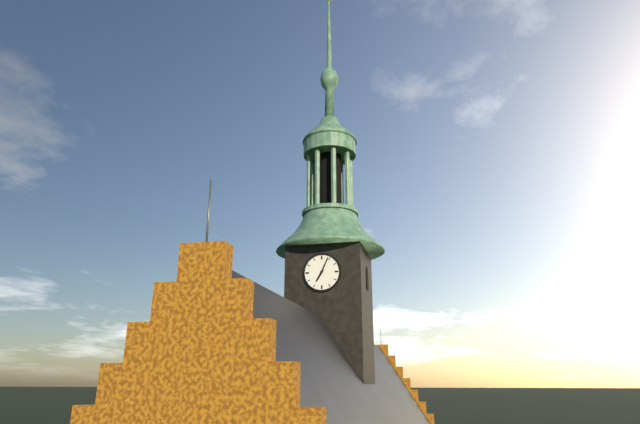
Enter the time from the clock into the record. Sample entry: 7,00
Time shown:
7,04
